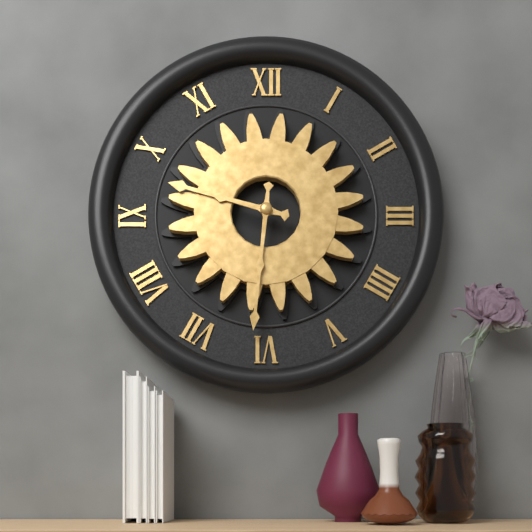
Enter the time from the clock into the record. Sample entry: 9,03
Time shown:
9,31
